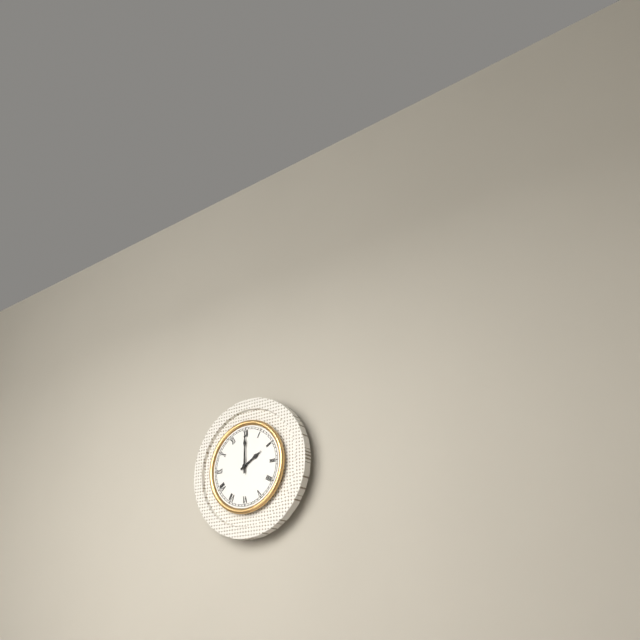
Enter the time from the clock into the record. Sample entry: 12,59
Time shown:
2,00
